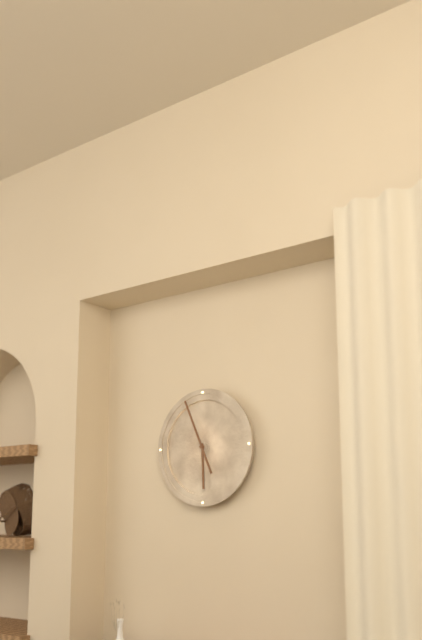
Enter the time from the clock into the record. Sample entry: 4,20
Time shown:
5,56
